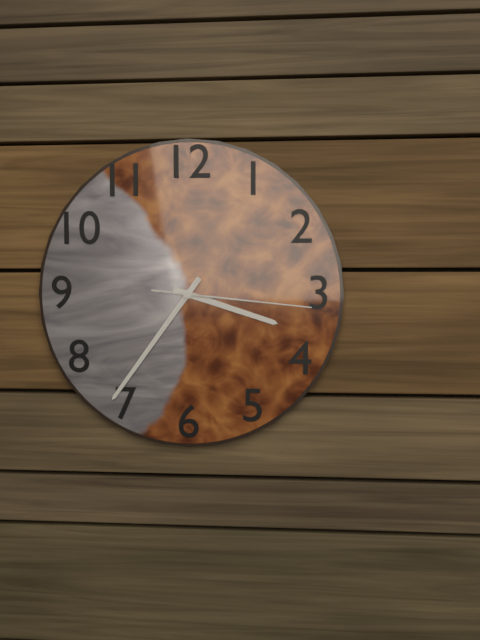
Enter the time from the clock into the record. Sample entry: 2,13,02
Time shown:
3,36,16
